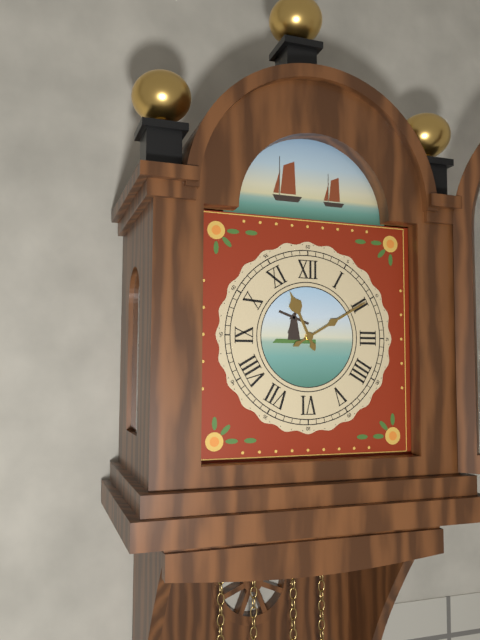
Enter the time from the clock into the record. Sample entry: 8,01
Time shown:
11,10
